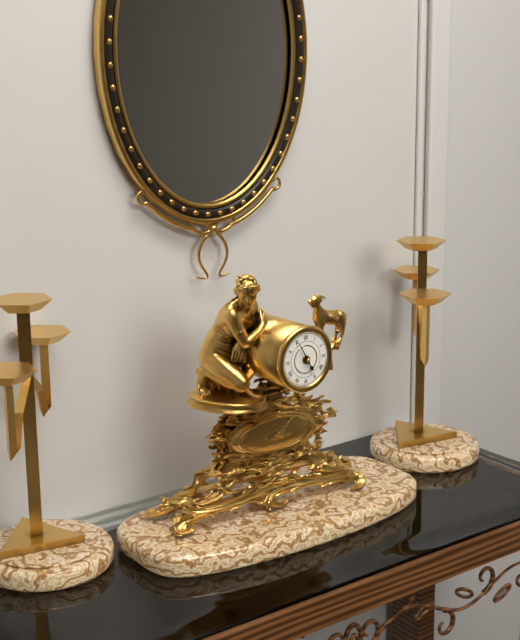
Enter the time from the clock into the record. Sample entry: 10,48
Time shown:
4,55
